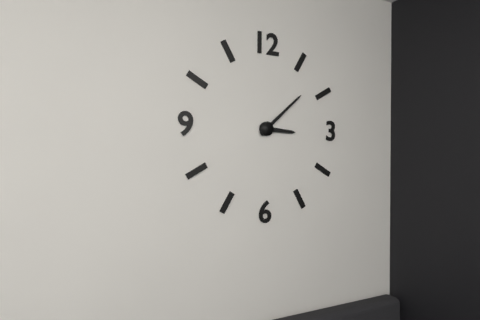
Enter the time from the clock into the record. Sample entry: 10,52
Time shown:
3,08
